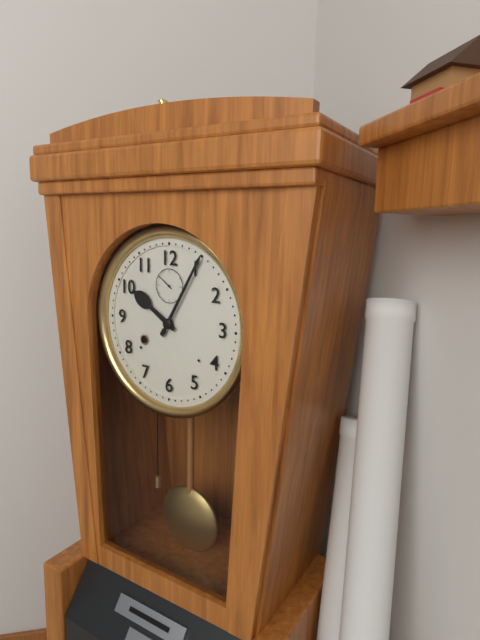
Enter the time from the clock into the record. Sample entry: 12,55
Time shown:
10,05
